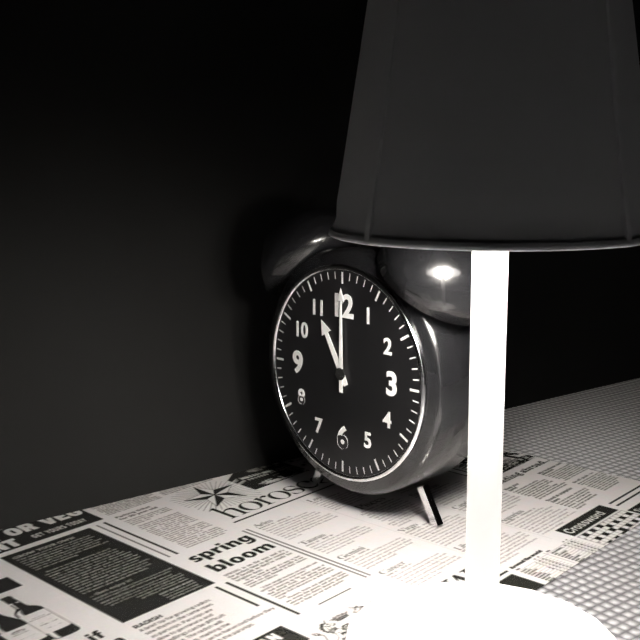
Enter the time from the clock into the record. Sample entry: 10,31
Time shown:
11,00
